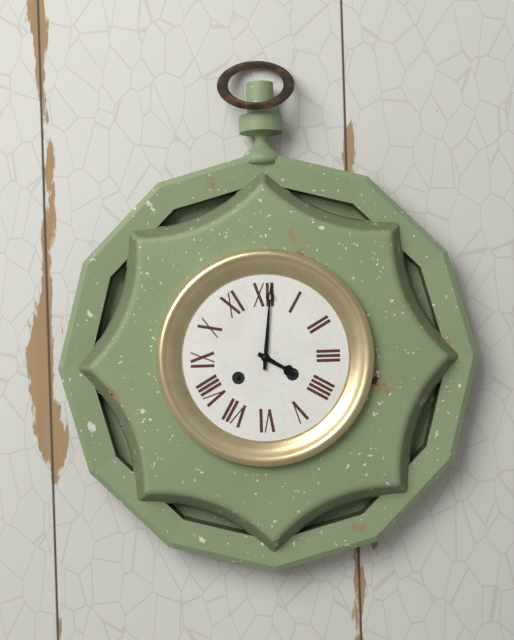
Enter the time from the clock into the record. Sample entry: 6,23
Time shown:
4,01
